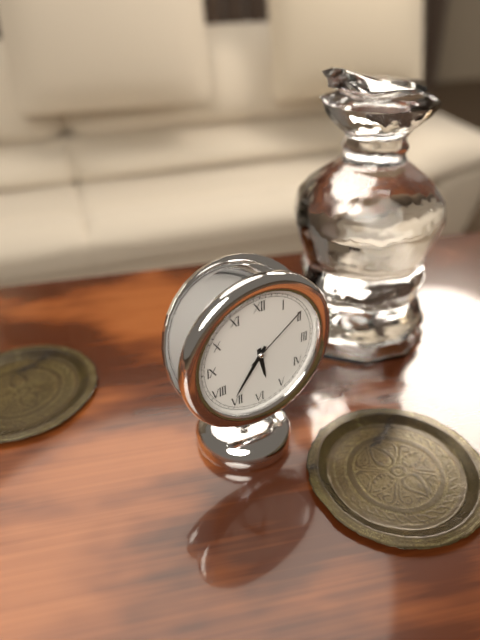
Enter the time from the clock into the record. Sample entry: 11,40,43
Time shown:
5,36,09
